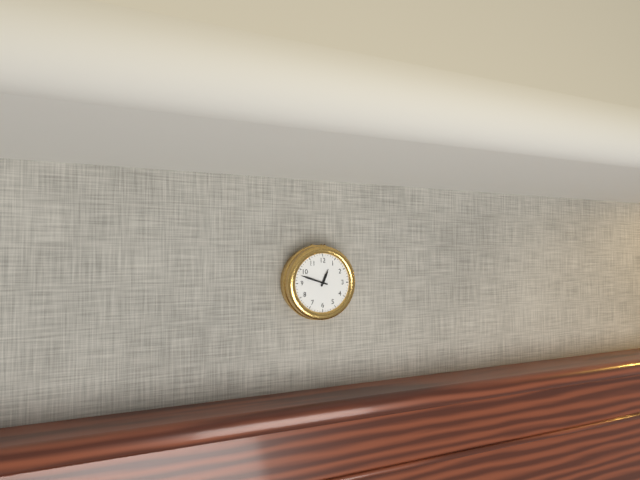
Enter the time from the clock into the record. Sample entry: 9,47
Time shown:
12,48
